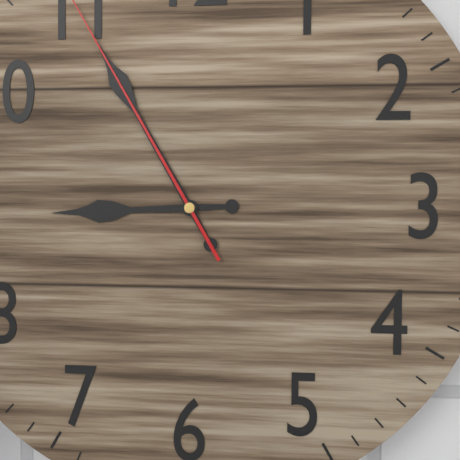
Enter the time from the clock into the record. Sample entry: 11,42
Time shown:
8,55
